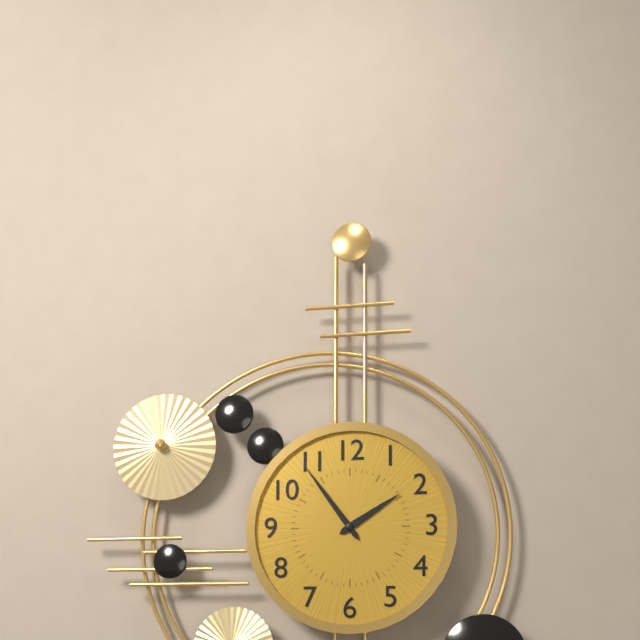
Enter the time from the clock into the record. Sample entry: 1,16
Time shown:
1,54
